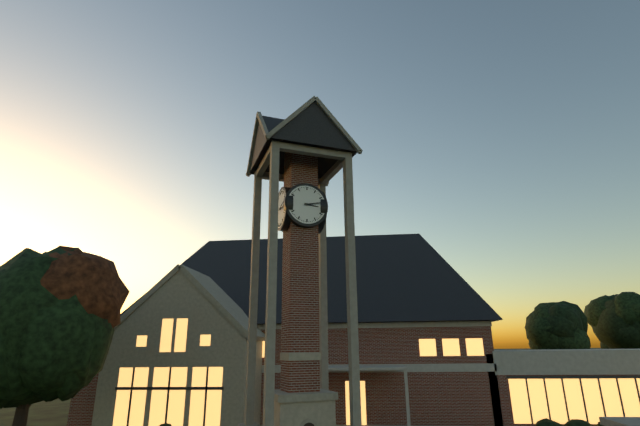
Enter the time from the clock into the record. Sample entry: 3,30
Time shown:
3,13
